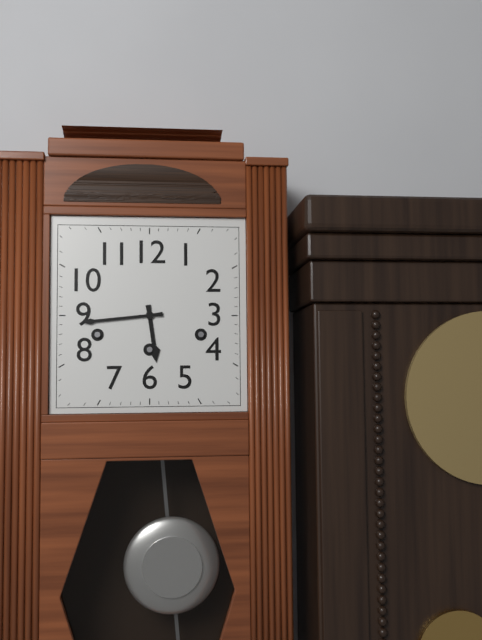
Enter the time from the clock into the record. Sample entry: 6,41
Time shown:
5,44
